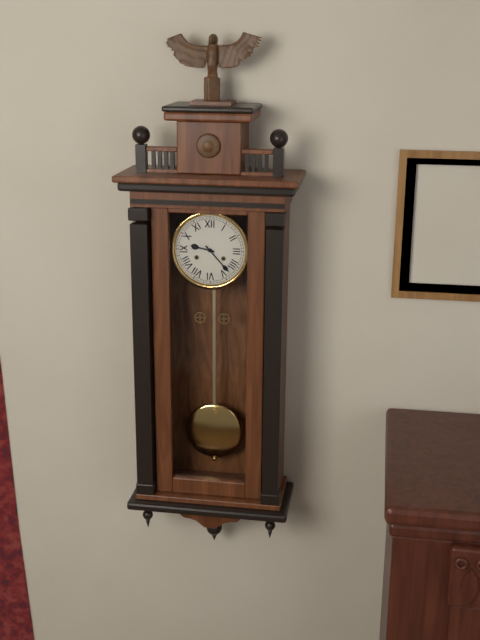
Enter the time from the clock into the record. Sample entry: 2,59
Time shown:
9,23
